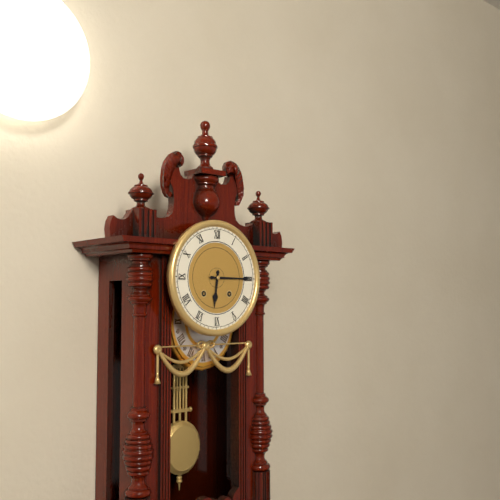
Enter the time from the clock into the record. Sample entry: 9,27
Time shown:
6,15
